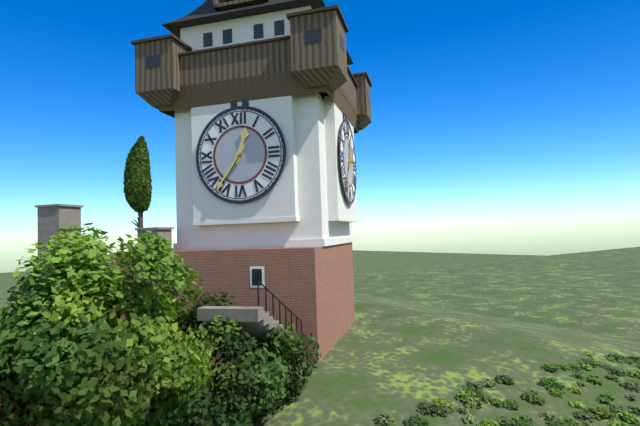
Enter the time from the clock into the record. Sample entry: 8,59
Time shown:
12,36
